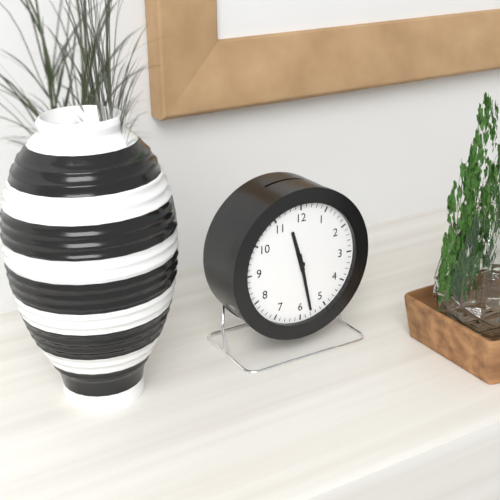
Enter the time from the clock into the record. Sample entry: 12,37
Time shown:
11,28
